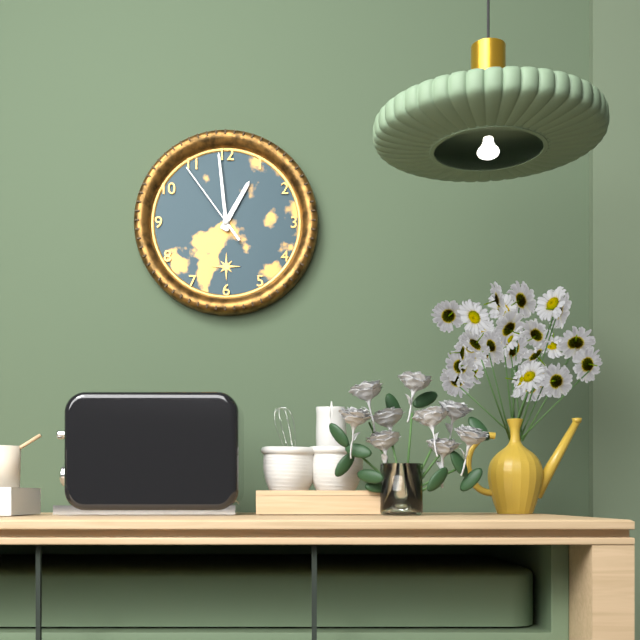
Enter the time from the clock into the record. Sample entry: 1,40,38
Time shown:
12,59,54
